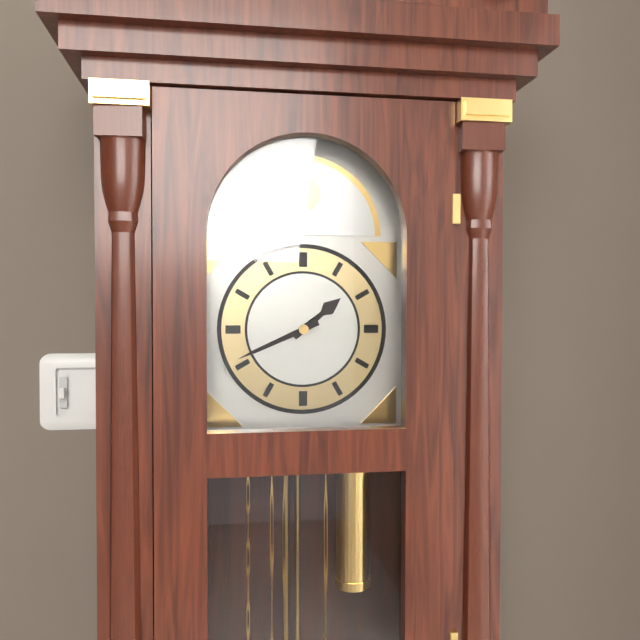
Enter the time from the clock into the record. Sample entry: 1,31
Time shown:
1,41
